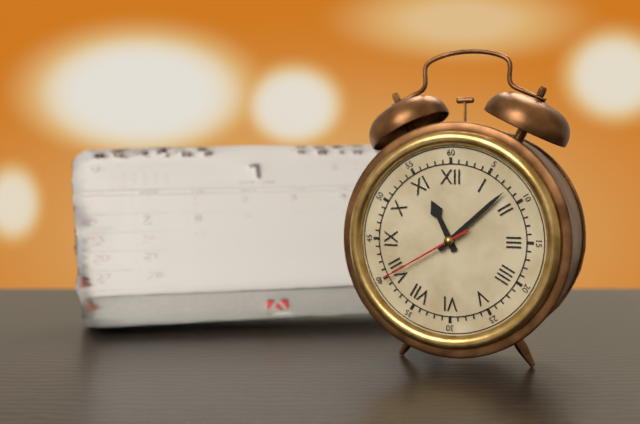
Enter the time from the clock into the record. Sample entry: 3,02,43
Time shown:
11,08,40
